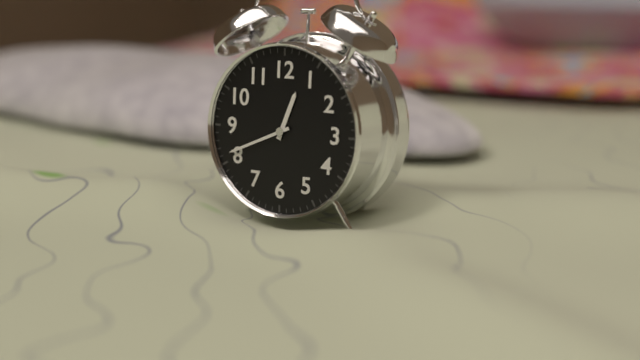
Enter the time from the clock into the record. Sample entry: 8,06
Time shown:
12,41
